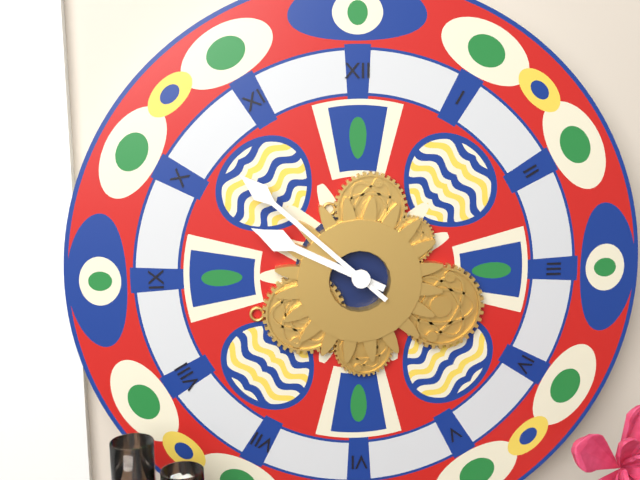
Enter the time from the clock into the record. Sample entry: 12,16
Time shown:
9,52
